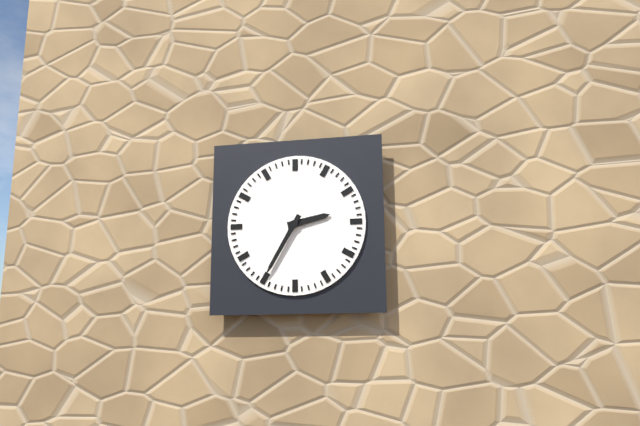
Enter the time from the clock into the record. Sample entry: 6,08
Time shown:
2,35
